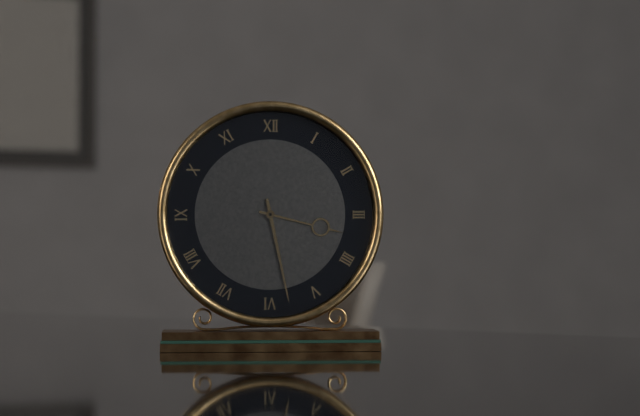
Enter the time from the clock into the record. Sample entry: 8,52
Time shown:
3,28
